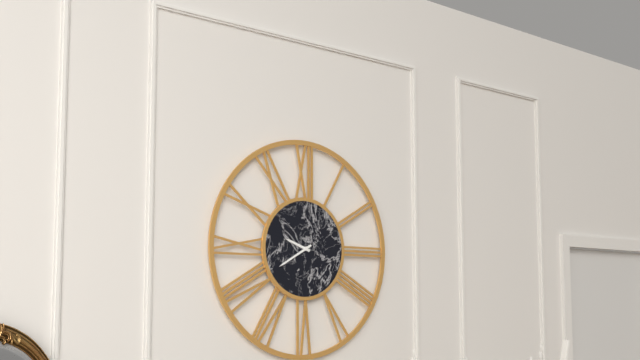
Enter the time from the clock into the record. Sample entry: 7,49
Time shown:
9,40
